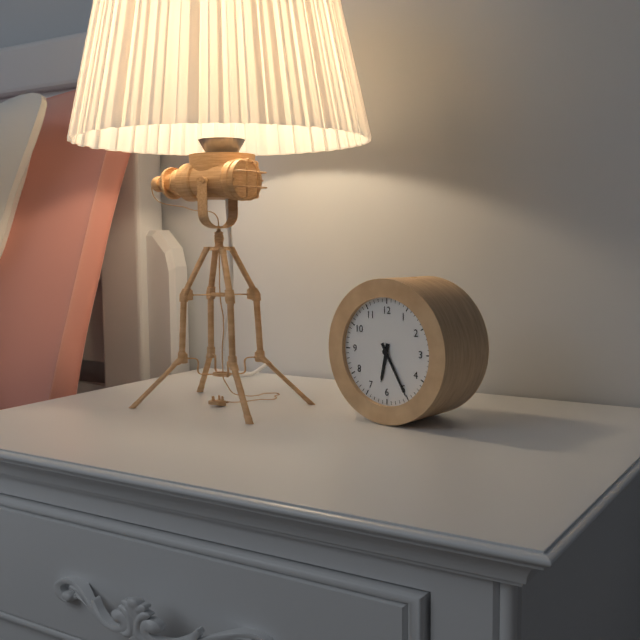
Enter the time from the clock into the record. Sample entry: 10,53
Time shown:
6,25
